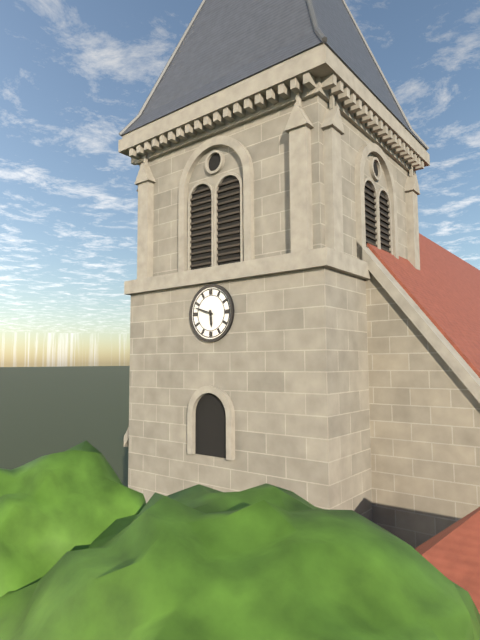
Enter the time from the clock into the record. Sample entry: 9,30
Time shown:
5,48
